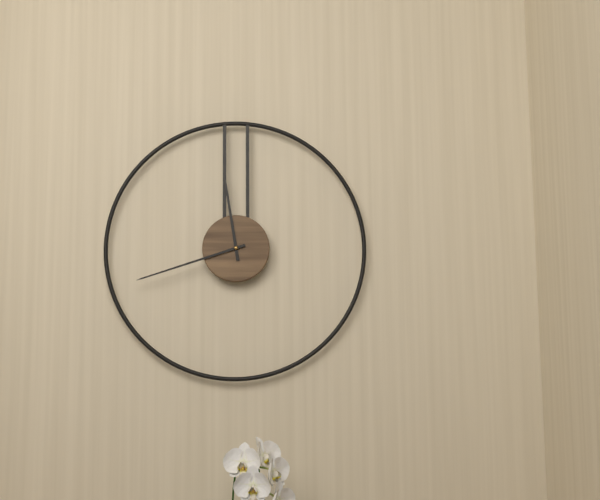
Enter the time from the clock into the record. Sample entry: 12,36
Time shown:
11,42
